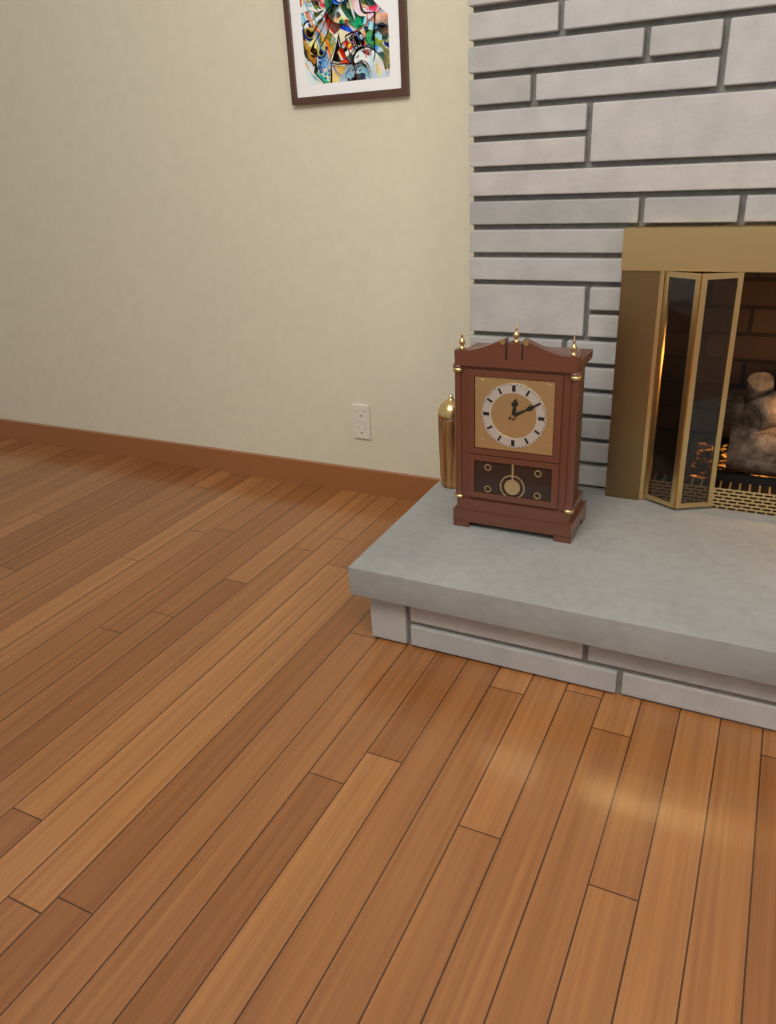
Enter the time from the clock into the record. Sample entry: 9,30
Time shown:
12,10
